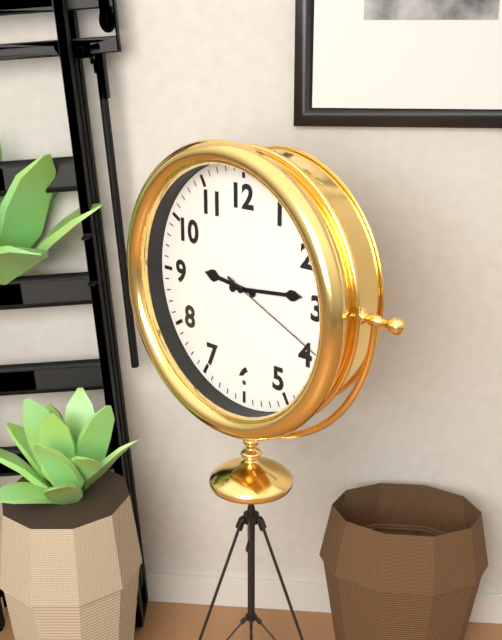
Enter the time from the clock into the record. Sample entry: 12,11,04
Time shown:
9,14,19
